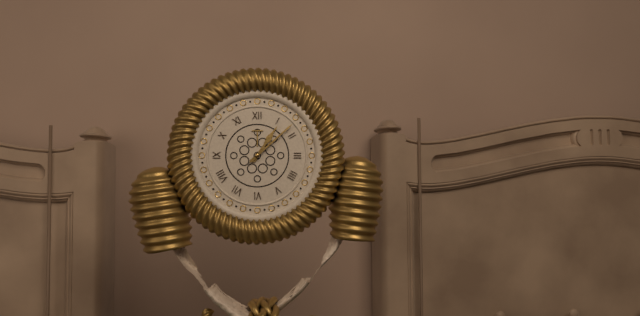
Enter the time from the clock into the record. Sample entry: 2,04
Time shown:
1,08
